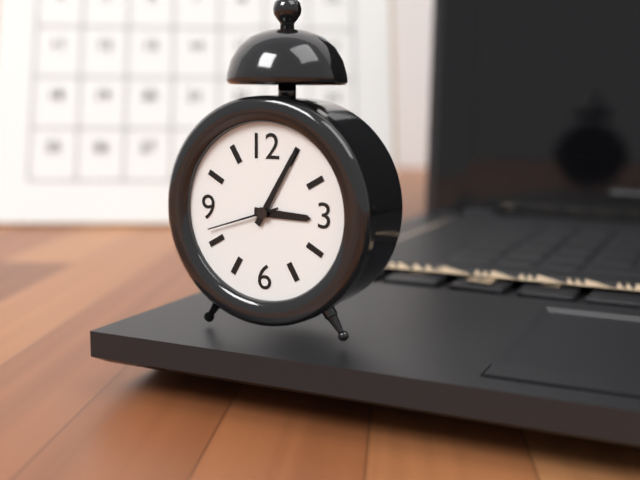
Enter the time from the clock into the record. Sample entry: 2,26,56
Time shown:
3,05,42
